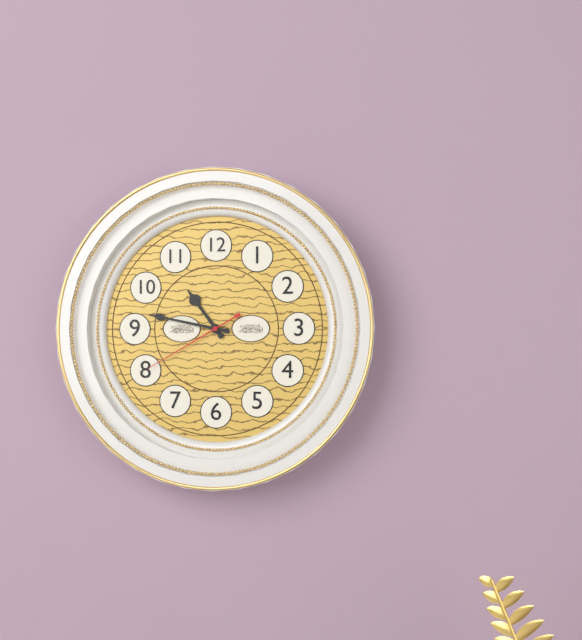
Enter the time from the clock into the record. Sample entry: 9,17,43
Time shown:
10,47,40
